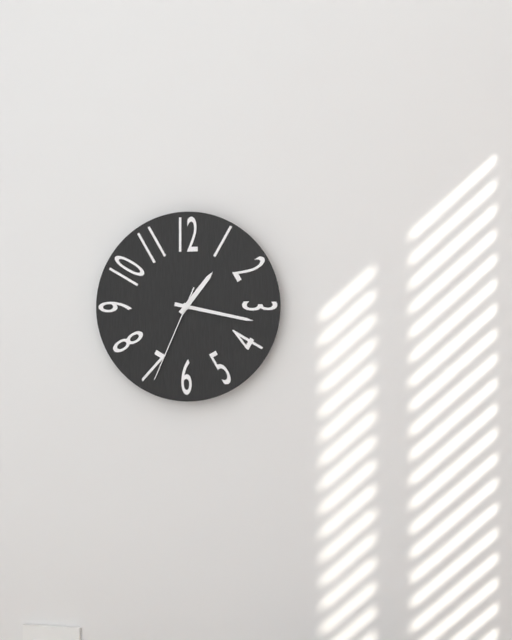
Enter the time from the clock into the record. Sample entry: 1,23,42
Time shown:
1,17,34
